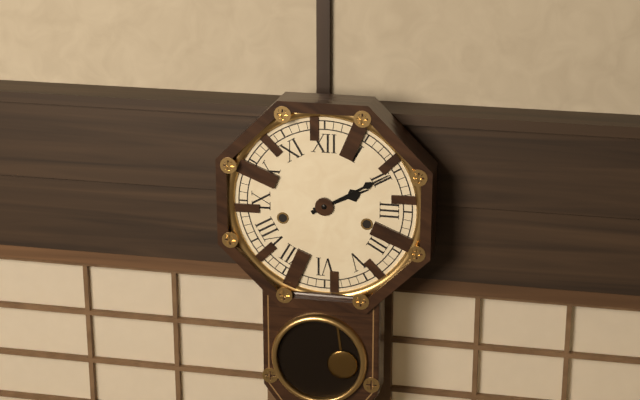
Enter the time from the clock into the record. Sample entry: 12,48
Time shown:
2,10
